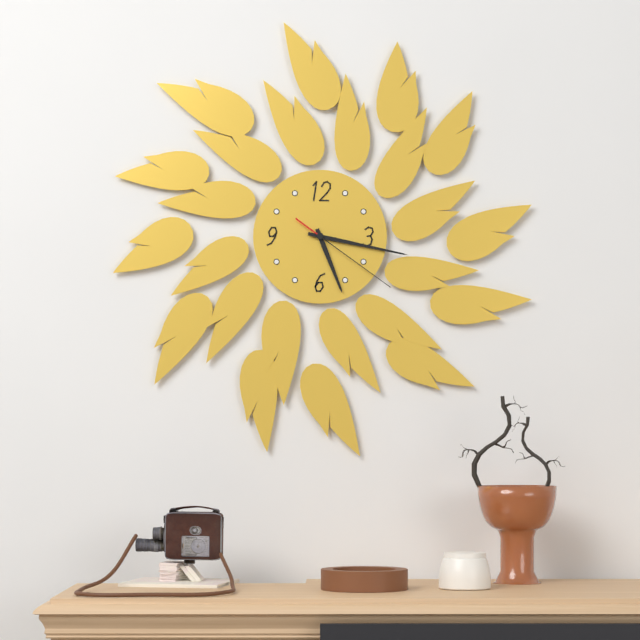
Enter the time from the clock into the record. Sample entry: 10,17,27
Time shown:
5,17,21
